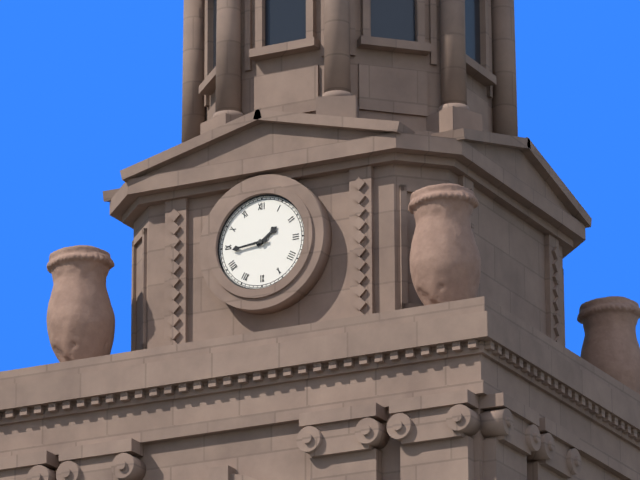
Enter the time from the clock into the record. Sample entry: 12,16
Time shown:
1,44
